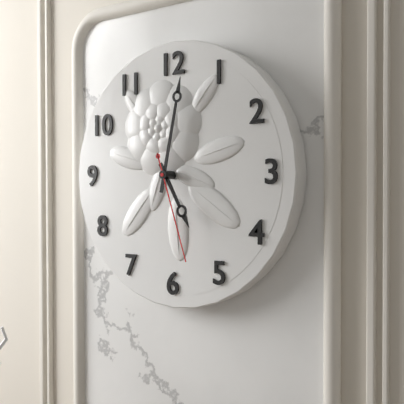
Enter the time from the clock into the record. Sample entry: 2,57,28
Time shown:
5,02,27
